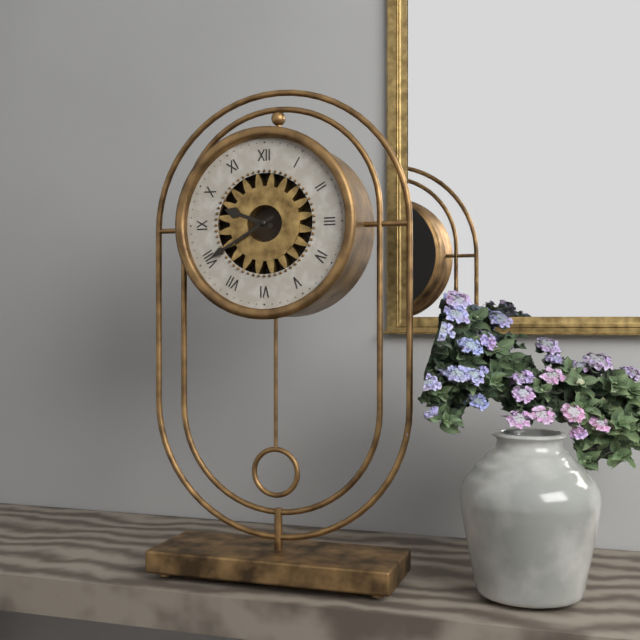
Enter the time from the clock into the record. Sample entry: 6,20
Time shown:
9,40
